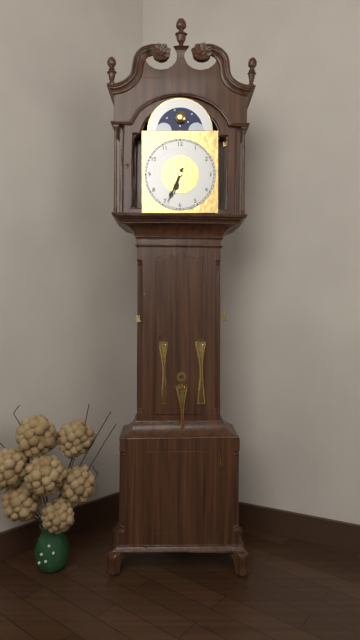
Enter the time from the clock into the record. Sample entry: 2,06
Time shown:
6,34
